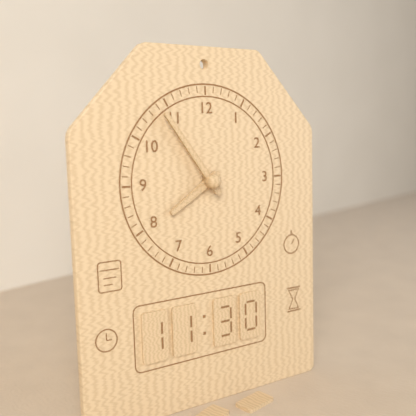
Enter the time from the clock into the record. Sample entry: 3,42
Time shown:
7,54
